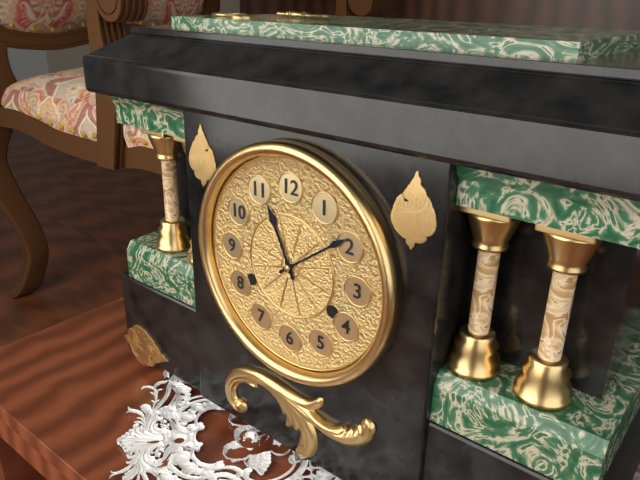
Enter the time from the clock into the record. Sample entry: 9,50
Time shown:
11,09
